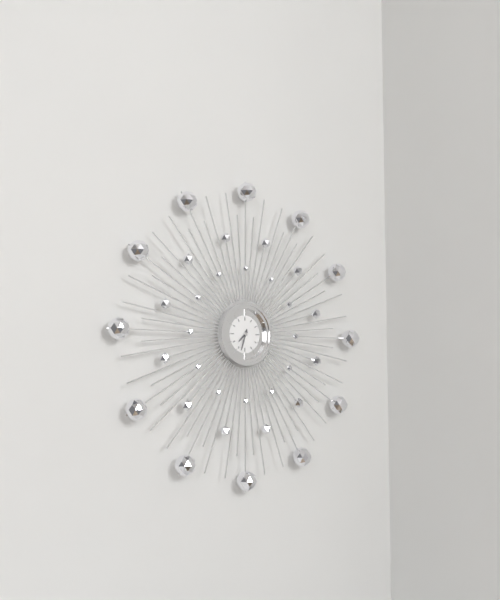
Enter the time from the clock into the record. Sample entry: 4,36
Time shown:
7,33
